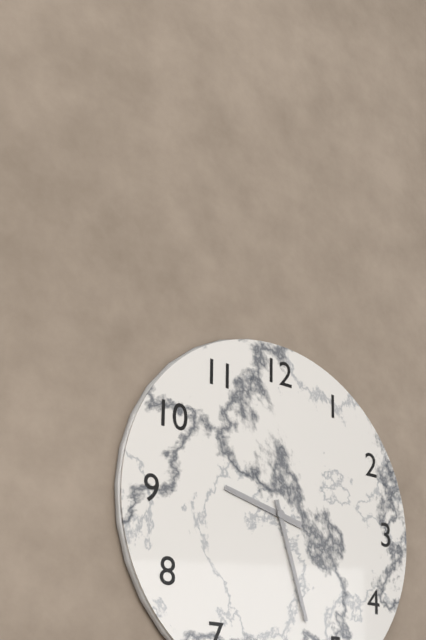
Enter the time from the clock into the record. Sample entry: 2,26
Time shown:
9,27
